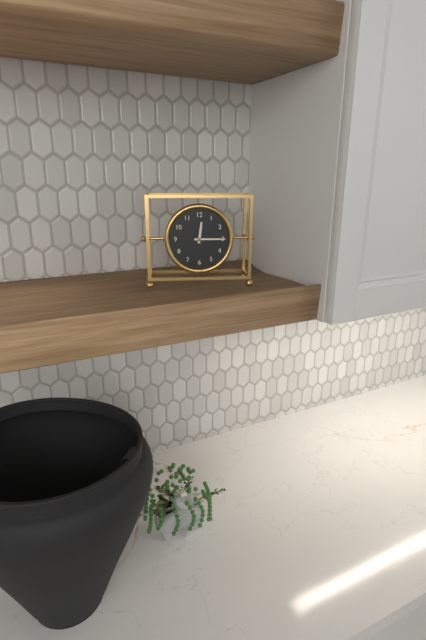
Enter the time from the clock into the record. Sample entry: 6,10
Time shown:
12,15
